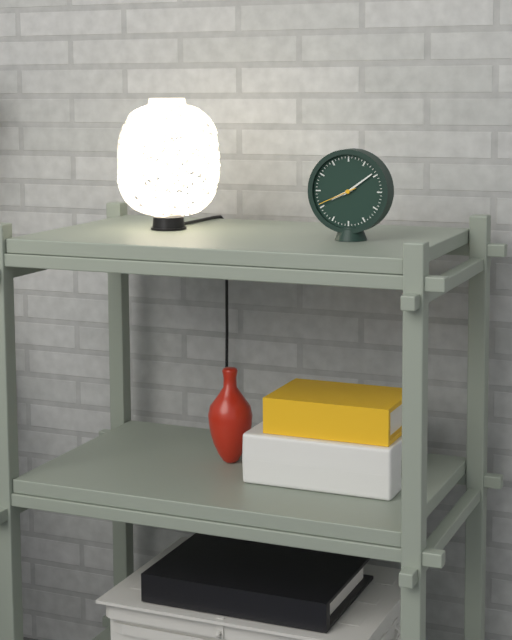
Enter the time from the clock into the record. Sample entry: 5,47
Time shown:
8,09
